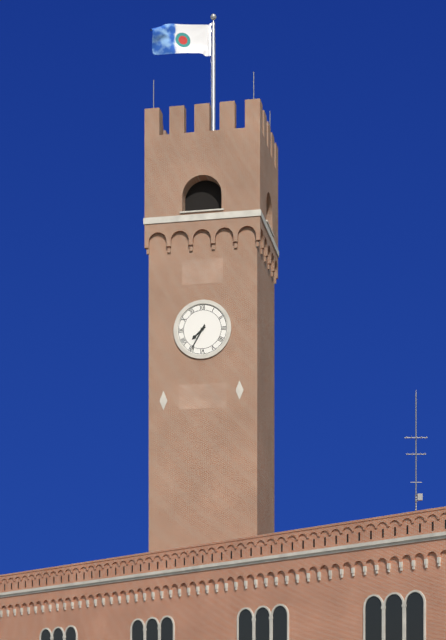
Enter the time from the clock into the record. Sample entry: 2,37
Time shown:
7,35
